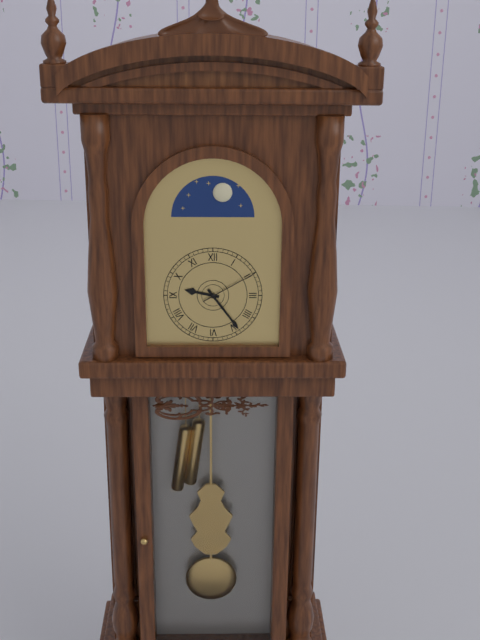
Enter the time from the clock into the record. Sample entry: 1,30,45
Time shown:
9,24,10
